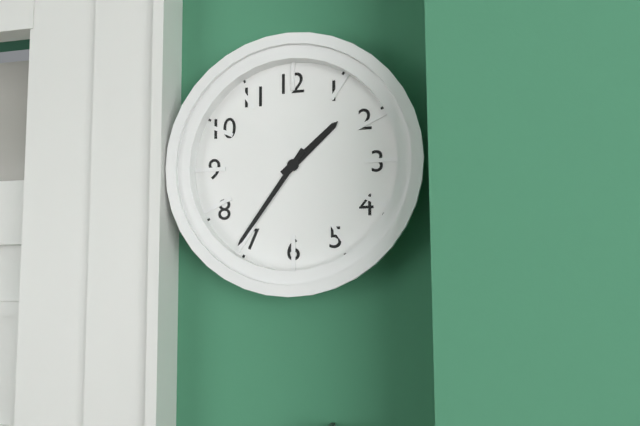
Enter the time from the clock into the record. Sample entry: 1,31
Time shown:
1,36
